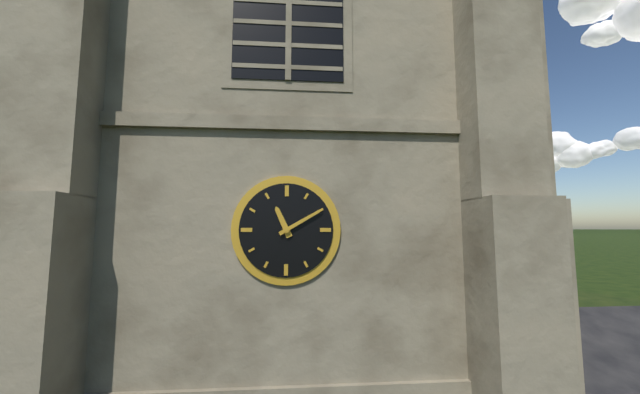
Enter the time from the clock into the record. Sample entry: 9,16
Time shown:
11,10
